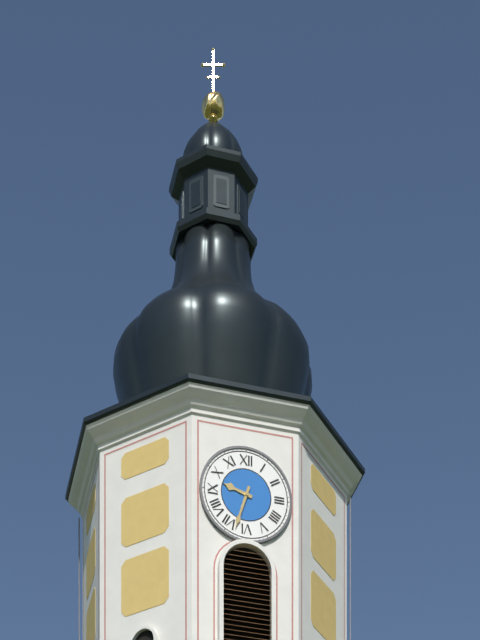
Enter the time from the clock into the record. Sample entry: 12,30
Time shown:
9,33
